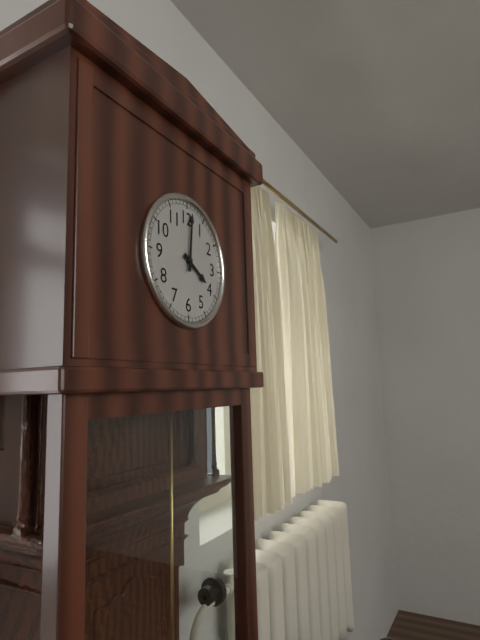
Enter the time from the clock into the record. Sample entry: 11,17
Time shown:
4,01
